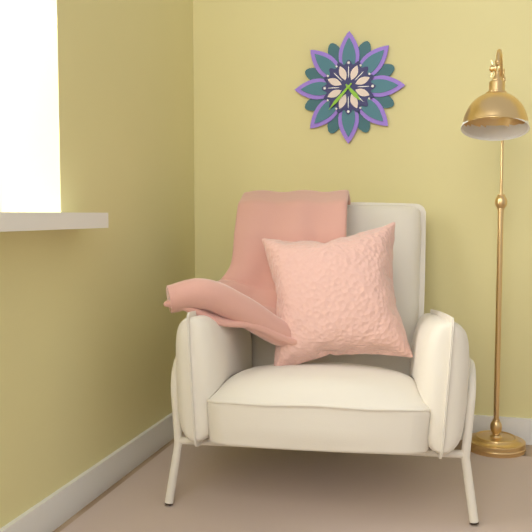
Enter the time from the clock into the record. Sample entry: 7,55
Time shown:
4,37
